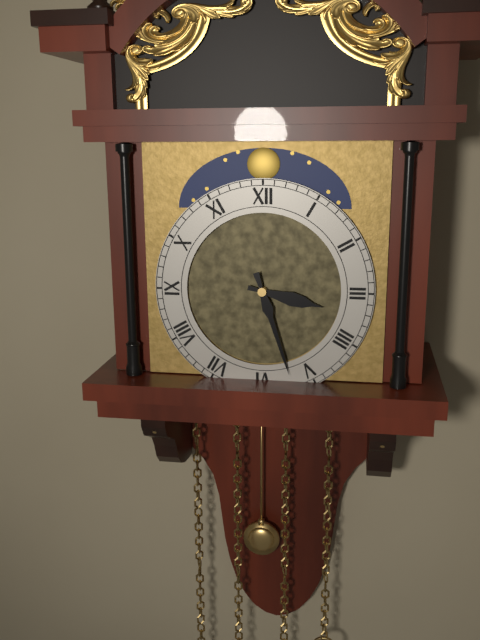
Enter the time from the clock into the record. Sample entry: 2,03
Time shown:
3,27
